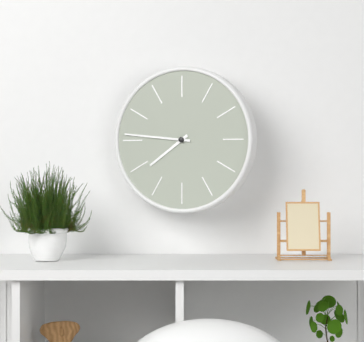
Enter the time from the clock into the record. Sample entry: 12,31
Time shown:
7,46
